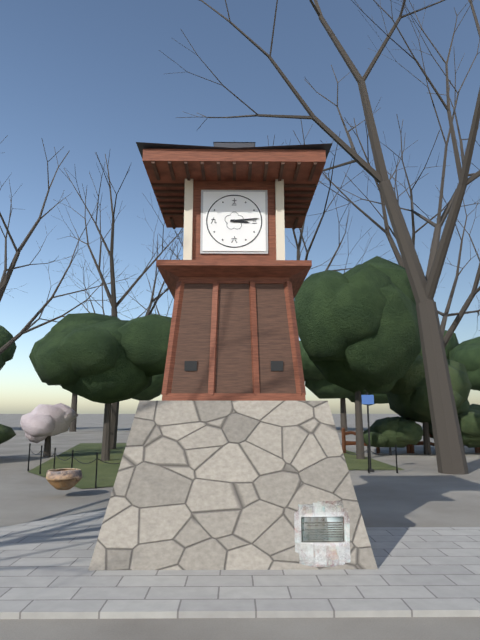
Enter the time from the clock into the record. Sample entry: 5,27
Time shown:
3,14
